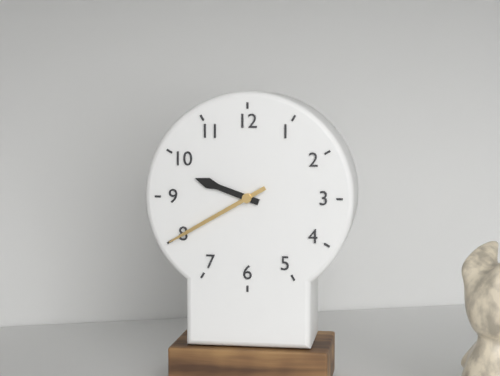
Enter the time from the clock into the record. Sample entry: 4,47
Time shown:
9,40
